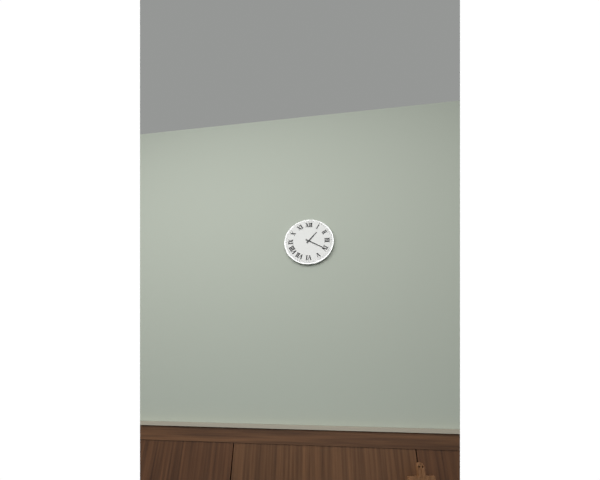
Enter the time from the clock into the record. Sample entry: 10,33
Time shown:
1,20
